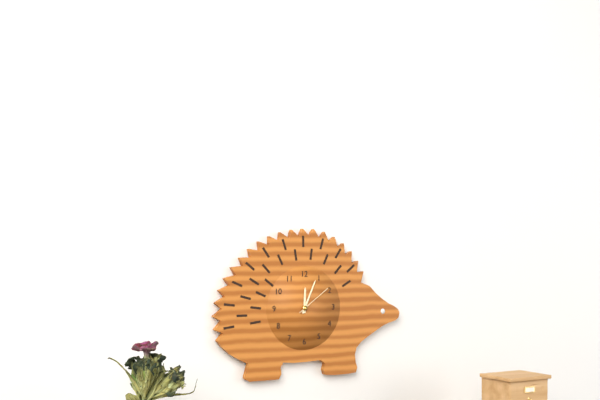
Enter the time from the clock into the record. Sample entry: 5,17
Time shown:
12,04
